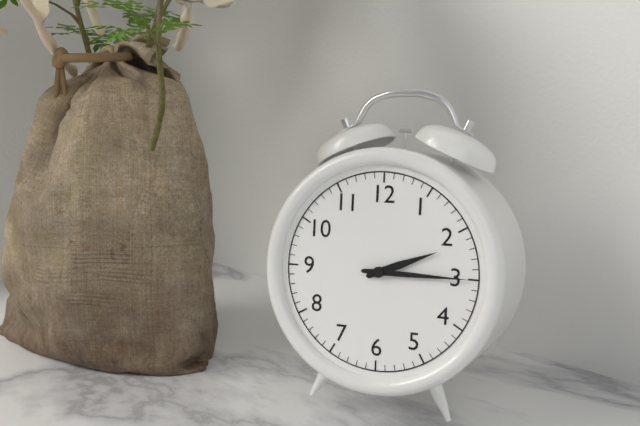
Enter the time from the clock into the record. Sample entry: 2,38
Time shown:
2,15
